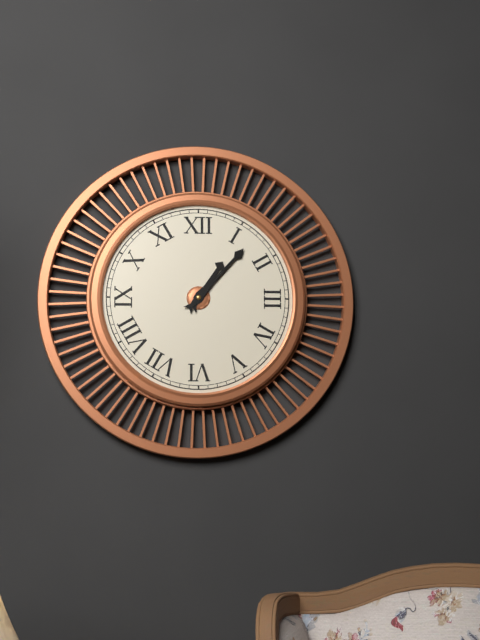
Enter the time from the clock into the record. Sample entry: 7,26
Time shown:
1,07
